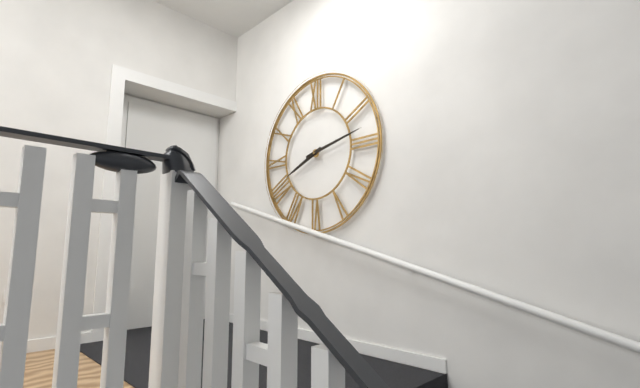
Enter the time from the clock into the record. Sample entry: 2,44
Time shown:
8,13
